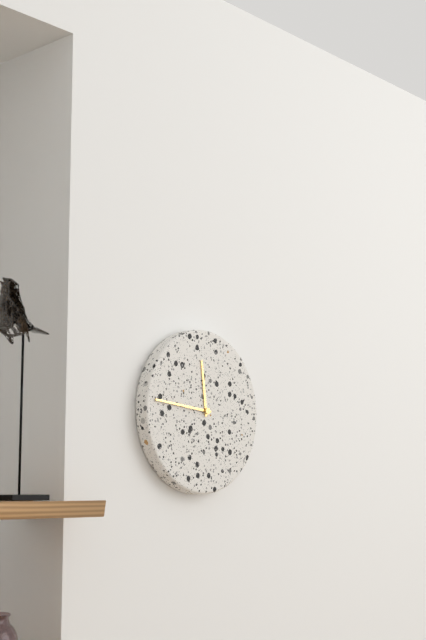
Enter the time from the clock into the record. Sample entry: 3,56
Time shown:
11,46
